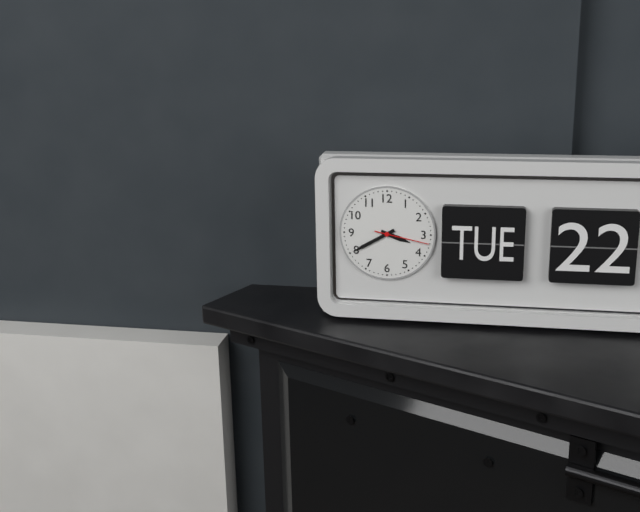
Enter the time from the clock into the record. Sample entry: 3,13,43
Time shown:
3,40,17
